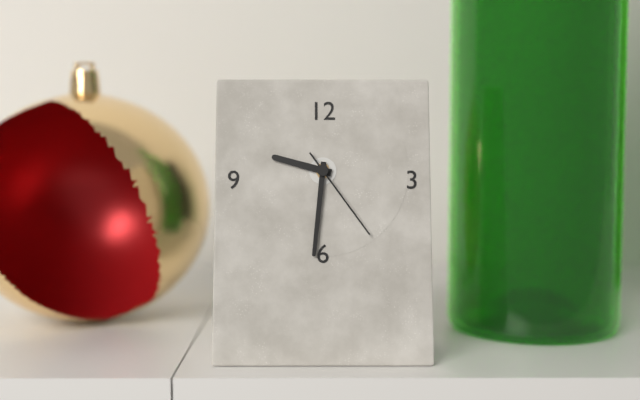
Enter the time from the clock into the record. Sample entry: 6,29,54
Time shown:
9,31,24
